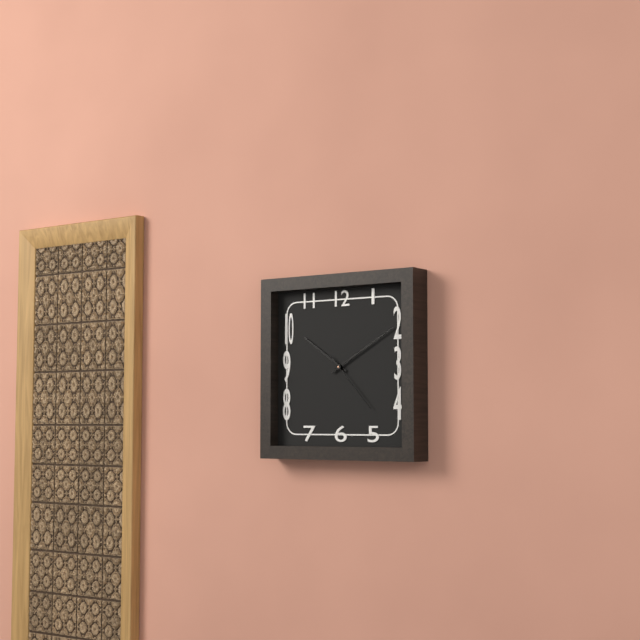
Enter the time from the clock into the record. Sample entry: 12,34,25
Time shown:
10,10,23
